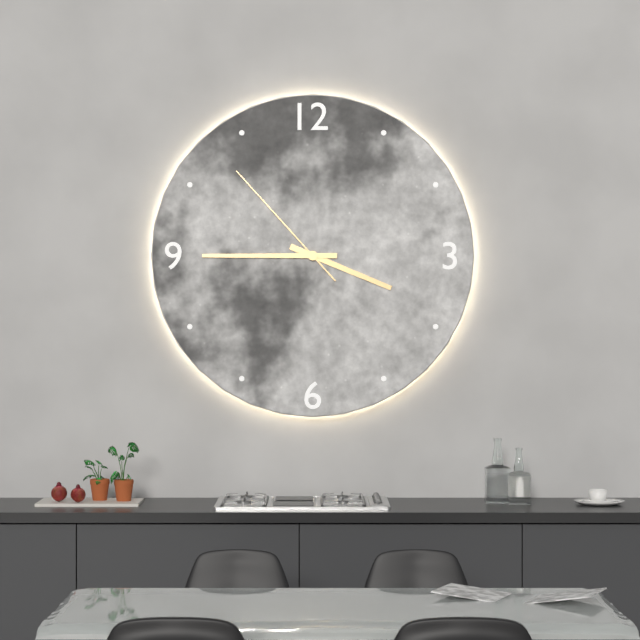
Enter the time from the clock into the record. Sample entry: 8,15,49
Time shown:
3,45,53
